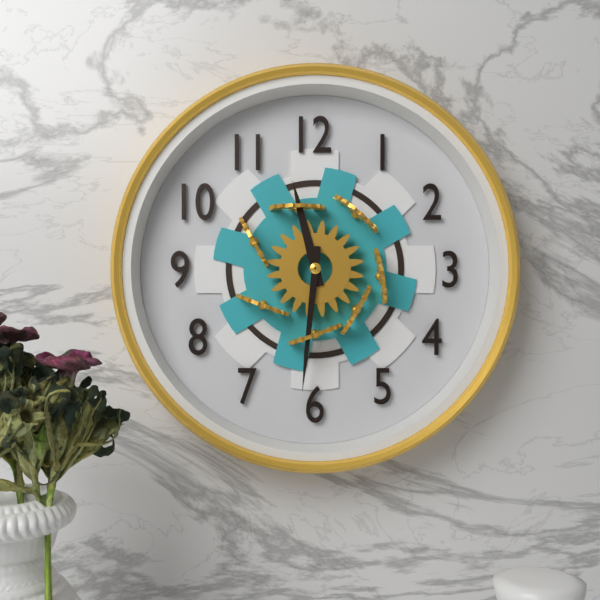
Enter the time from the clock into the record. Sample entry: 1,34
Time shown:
11,31
